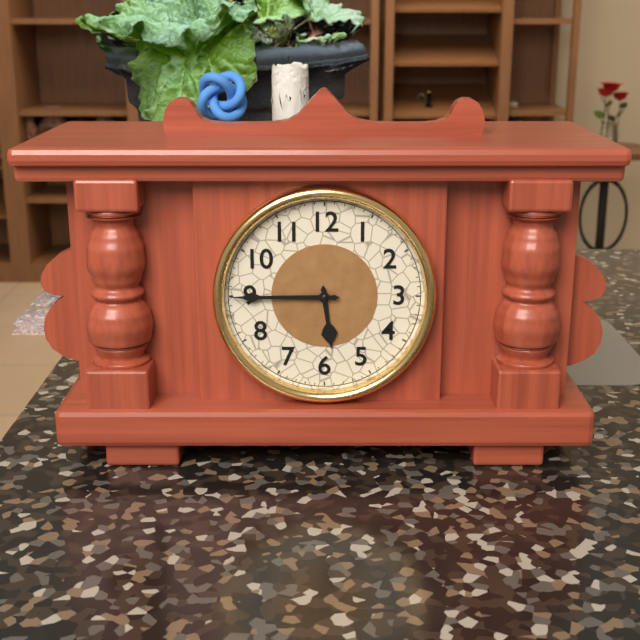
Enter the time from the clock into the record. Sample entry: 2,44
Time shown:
5,45
